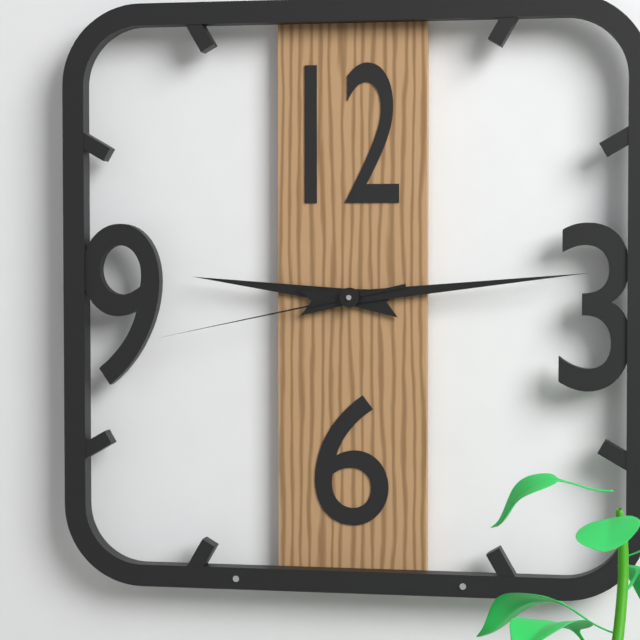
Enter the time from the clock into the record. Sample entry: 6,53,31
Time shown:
9,14,43
